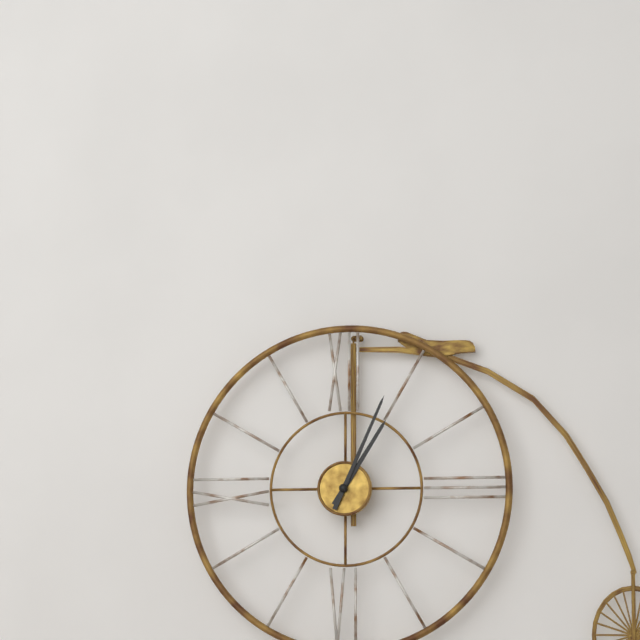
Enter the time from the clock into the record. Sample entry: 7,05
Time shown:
1,04
